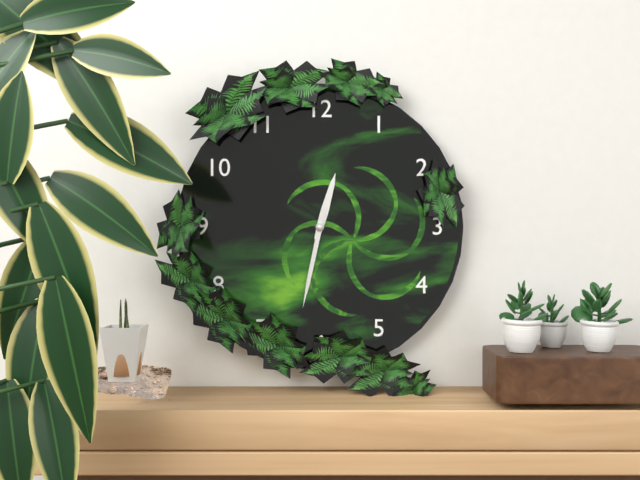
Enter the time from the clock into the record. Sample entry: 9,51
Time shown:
12,32
